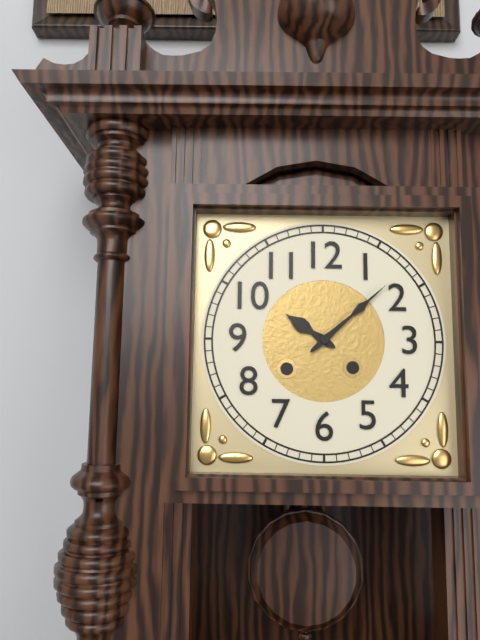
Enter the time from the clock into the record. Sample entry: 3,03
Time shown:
10,08
